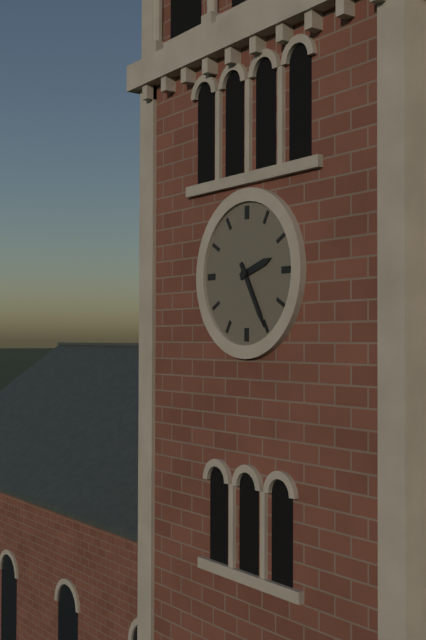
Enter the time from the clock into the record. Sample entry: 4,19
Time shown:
2,25
